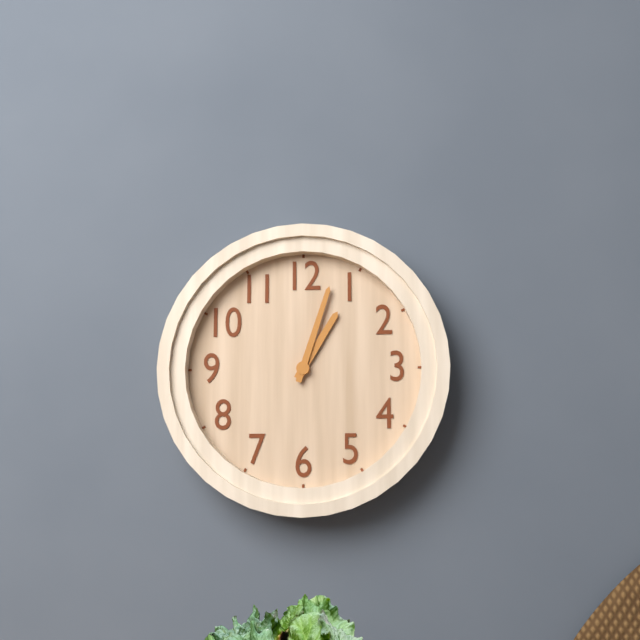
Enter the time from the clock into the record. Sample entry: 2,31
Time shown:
1,03
